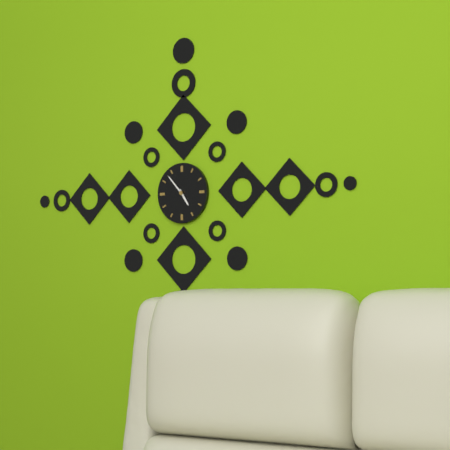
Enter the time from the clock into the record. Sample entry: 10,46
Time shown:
4,53
